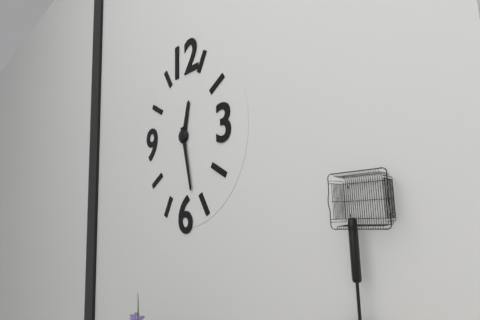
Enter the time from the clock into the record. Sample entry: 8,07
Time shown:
12,28
